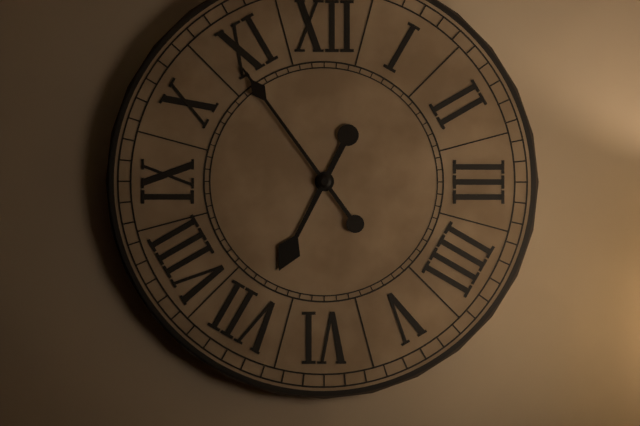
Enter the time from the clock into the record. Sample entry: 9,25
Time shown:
6,54
